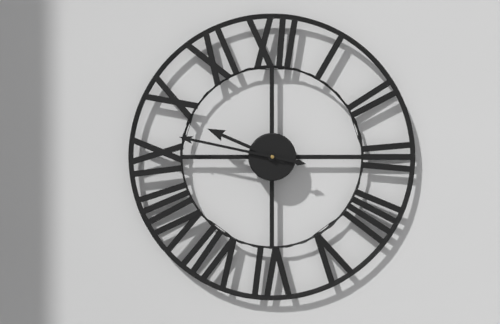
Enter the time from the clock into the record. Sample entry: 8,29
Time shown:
9,47
